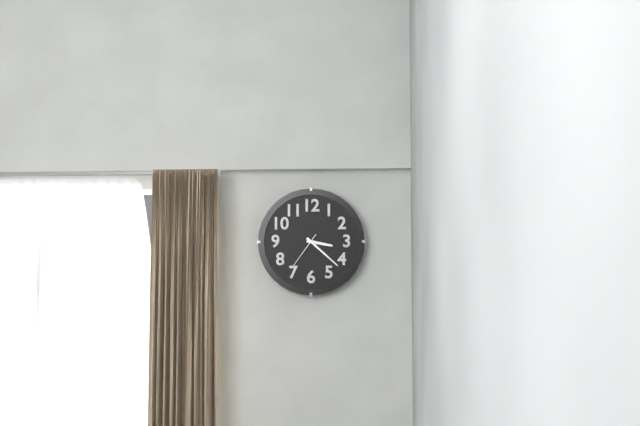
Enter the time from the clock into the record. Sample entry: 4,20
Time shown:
3,22
